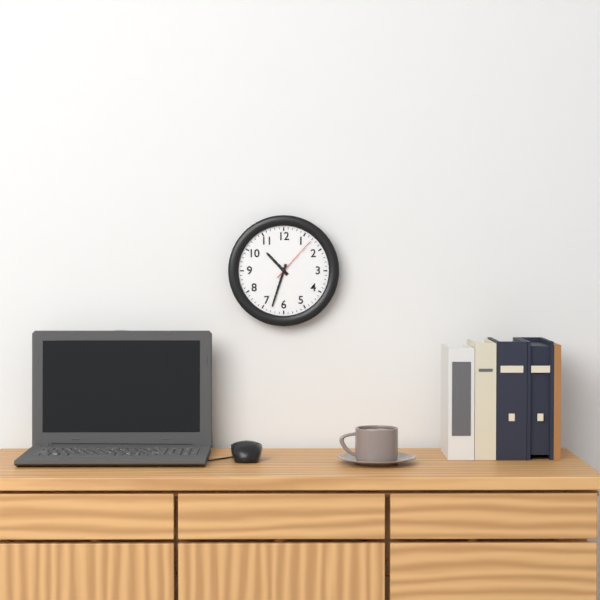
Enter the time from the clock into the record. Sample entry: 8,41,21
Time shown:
10,33,07
